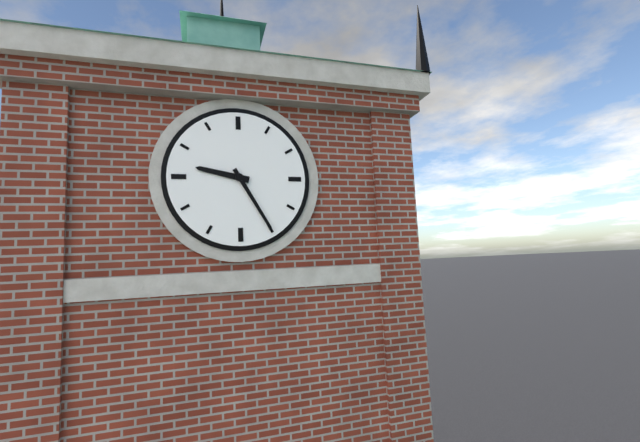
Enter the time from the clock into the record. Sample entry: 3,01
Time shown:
9,25
